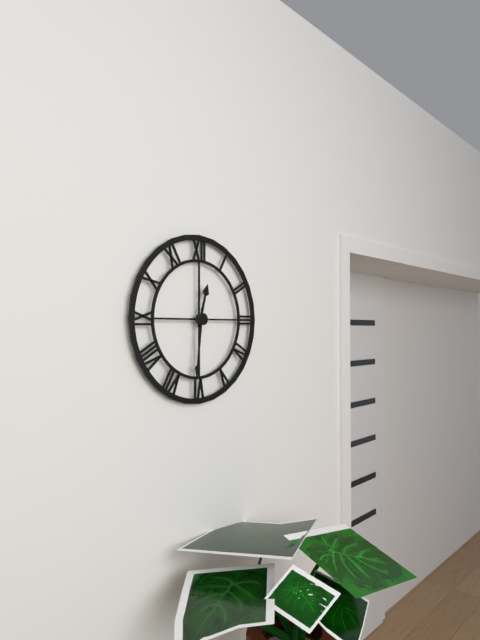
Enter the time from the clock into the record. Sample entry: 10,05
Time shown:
12,31
